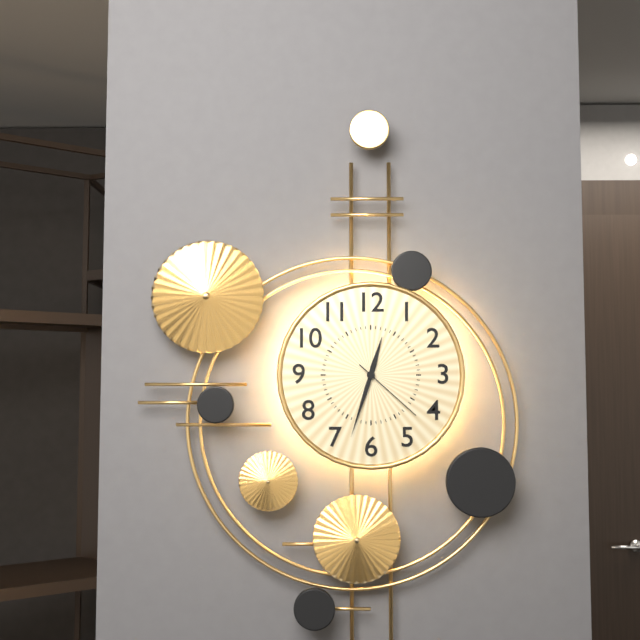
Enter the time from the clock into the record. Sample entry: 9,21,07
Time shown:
12,33,22
